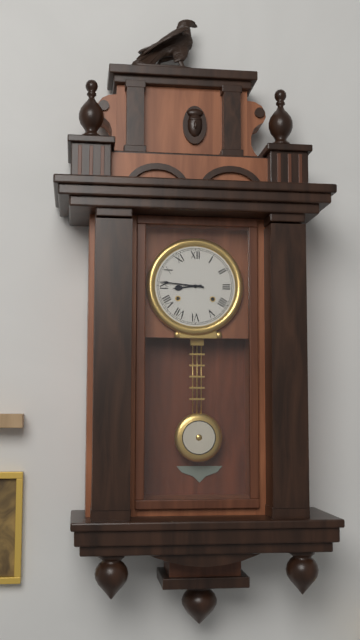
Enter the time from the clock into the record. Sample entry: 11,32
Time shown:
8,46
